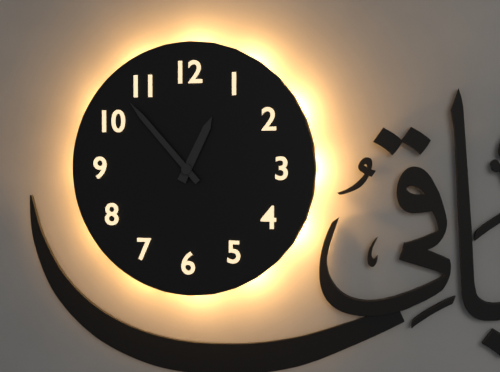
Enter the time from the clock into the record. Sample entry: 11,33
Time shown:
12,53
